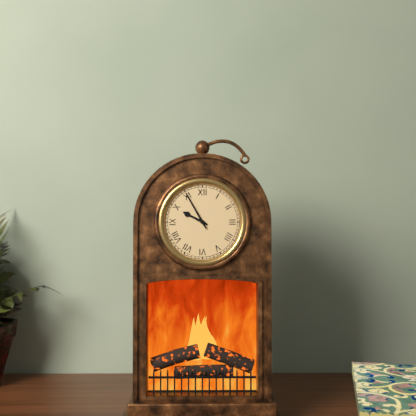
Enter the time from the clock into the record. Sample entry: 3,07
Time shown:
9,55
